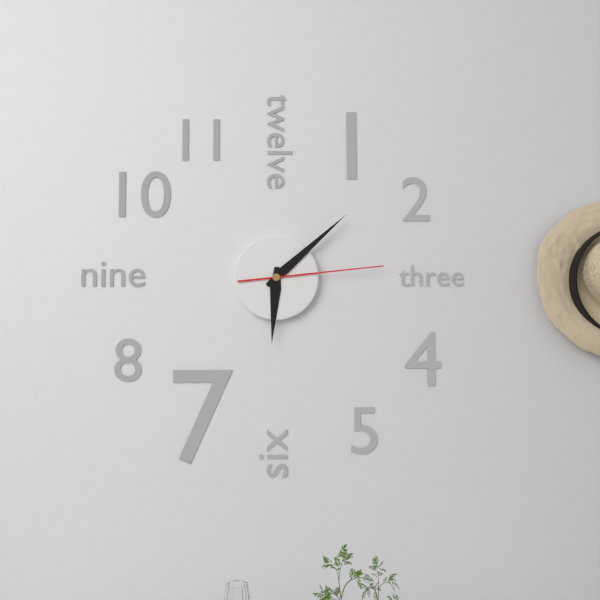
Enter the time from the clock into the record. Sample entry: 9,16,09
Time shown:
6,08,14
